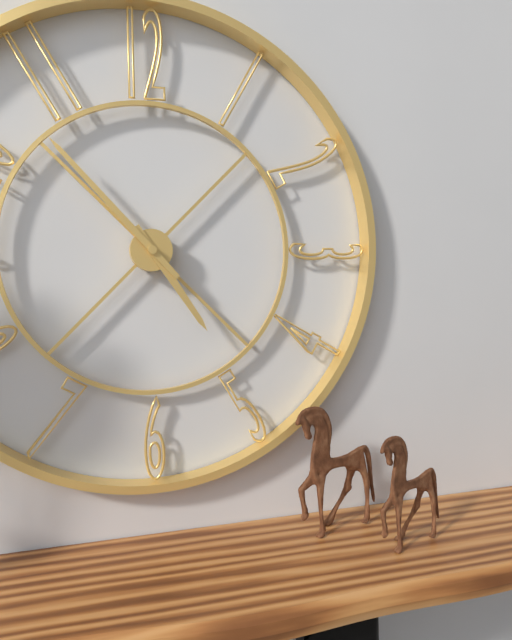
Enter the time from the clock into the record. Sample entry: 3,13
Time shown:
4,53
